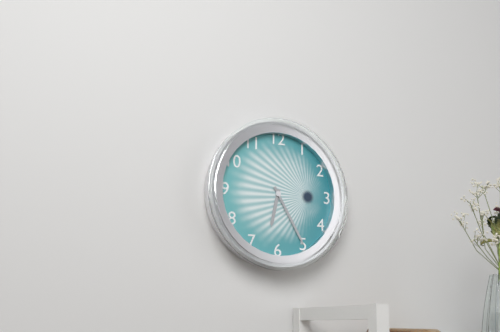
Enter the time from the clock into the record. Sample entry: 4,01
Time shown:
6,25
